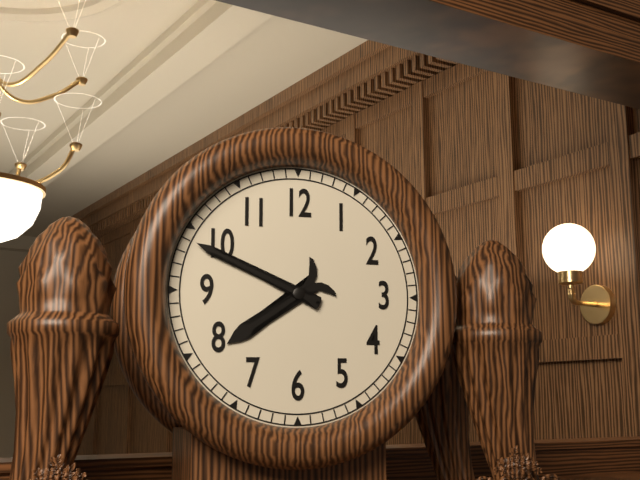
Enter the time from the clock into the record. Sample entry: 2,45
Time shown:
7,49
